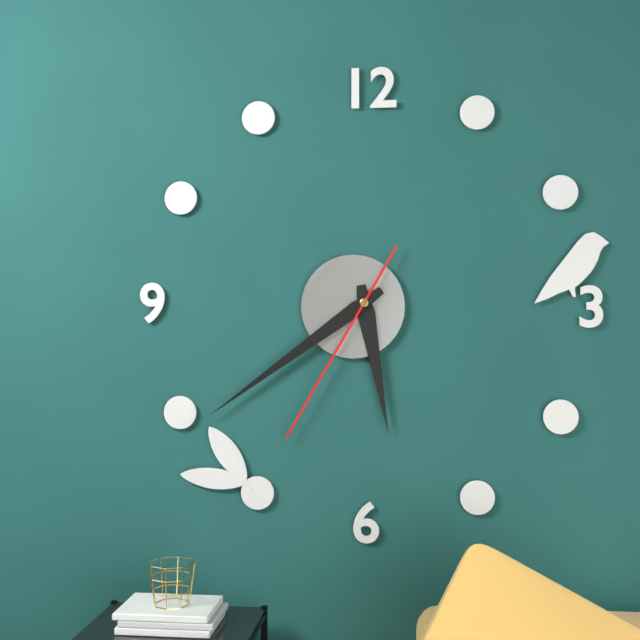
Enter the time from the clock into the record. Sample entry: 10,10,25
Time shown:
5,39,35
